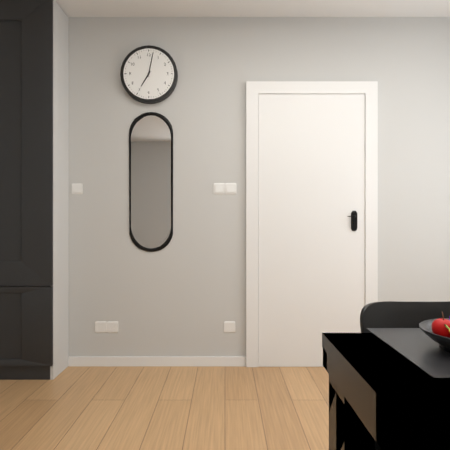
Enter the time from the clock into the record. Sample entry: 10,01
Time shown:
7,02
